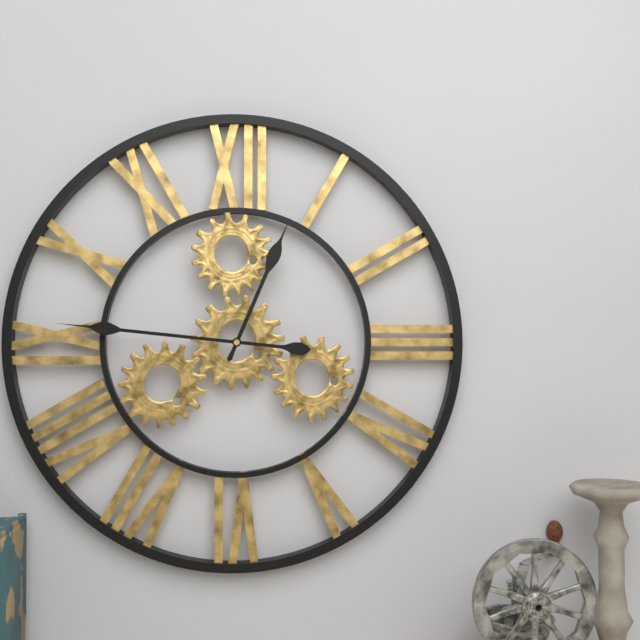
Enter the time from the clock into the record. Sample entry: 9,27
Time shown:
12,46
